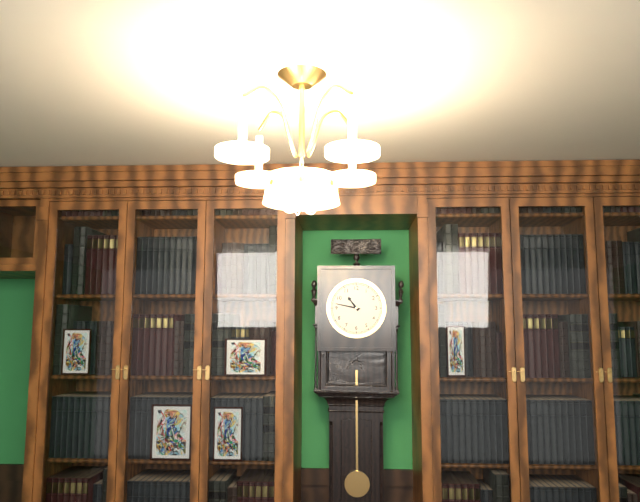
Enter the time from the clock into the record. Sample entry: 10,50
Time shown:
10,47
